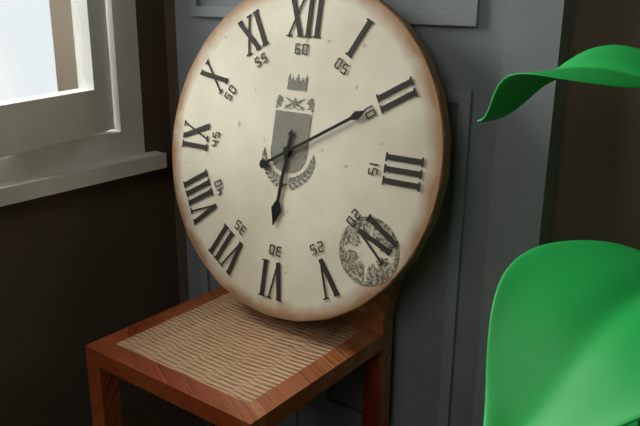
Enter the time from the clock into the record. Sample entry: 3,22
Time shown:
6,10
